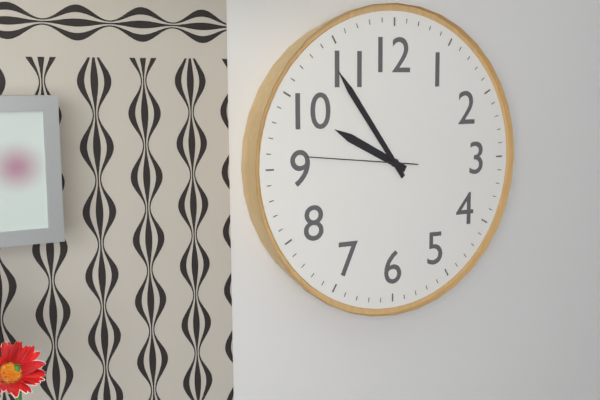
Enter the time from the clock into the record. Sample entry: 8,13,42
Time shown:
9,54,46
